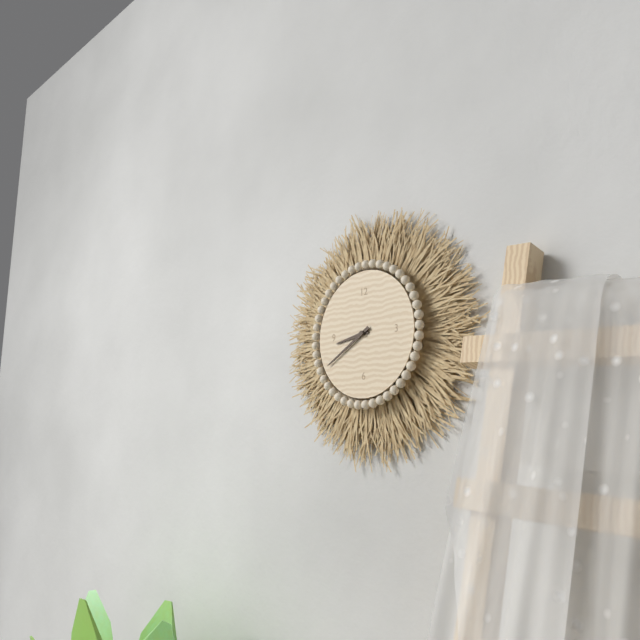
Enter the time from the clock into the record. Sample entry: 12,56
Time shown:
8,40
